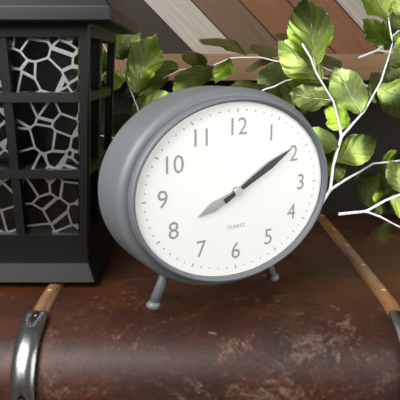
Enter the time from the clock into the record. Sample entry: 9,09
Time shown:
8,10
